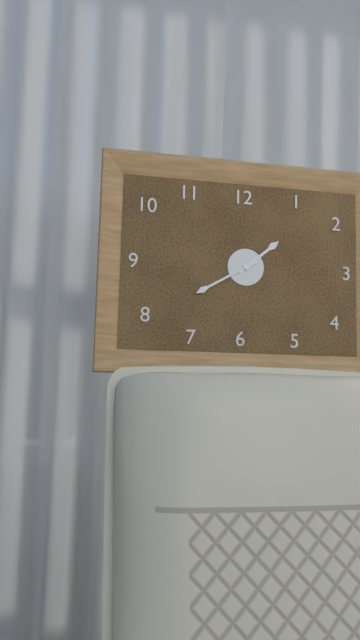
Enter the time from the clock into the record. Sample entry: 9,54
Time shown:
1,40
